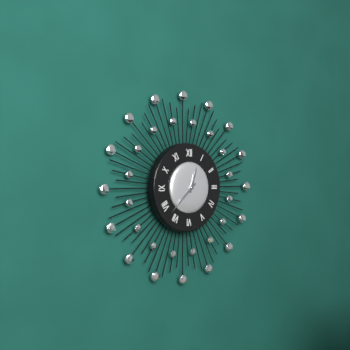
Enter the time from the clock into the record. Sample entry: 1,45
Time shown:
12,38
